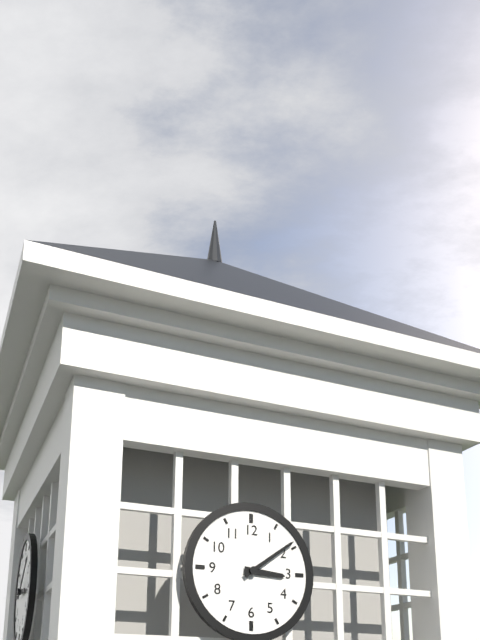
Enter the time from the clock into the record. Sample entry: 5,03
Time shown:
3,09
